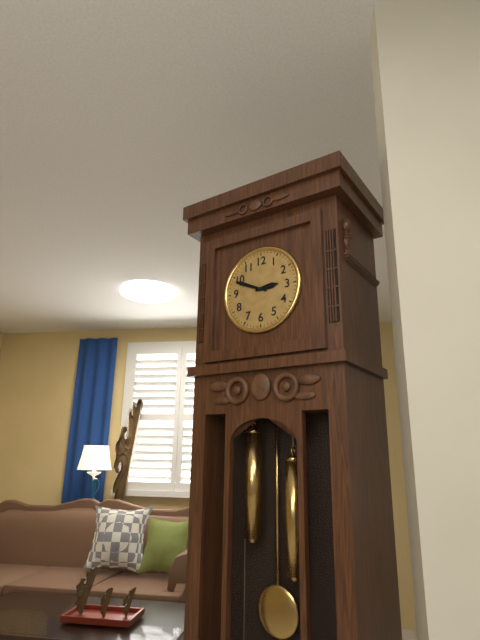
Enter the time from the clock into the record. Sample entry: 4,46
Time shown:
2,49
